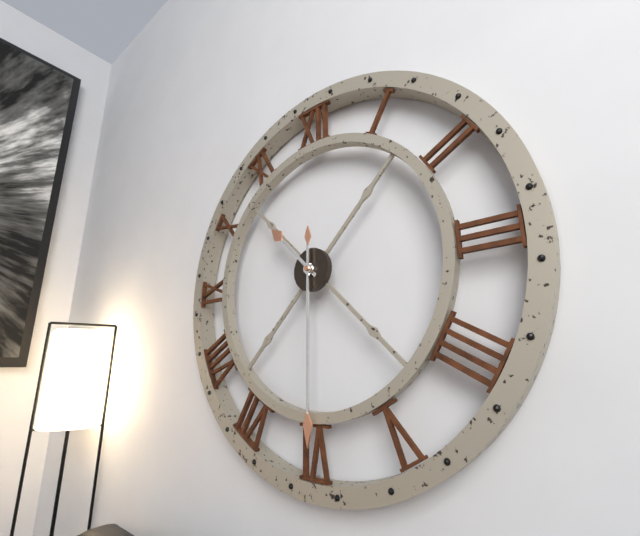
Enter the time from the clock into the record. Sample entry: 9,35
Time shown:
10,30
